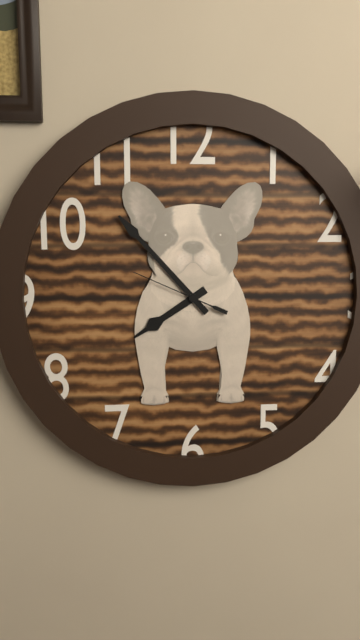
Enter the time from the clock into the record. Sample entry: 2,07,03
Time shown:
7,53,49
